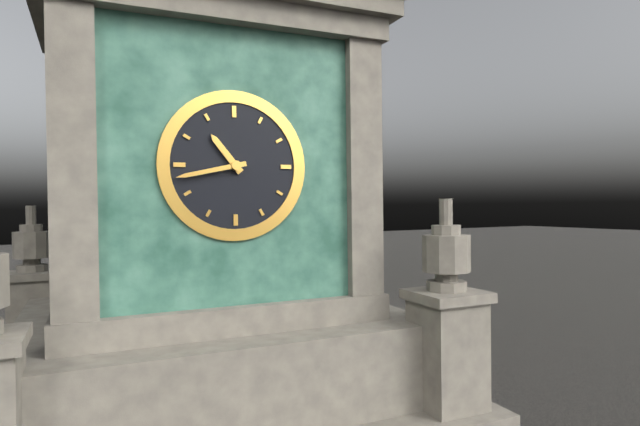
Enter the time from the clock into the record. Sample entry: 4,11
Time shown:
10,43
